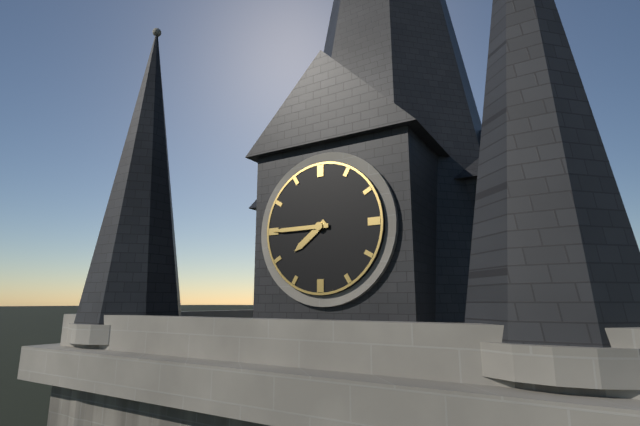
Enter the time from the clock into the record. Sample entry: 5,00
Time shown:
7,45
